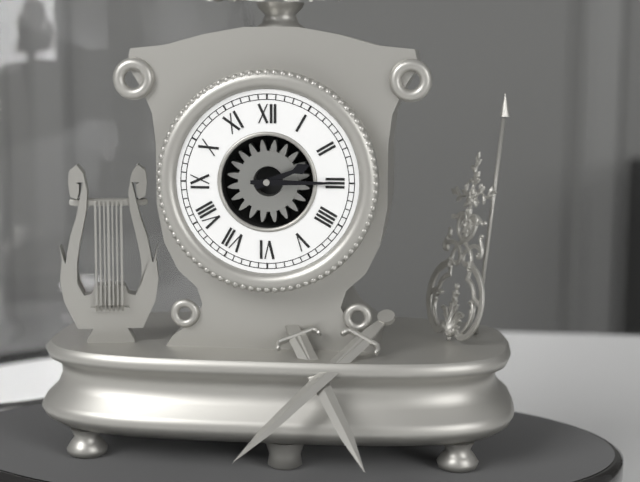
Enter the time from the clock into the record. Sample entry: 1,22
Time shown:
2,15
